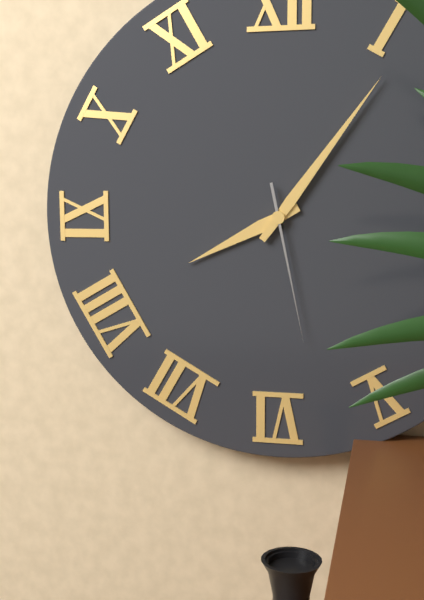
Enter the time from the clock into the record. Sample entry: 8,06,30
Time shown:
8,06,28
